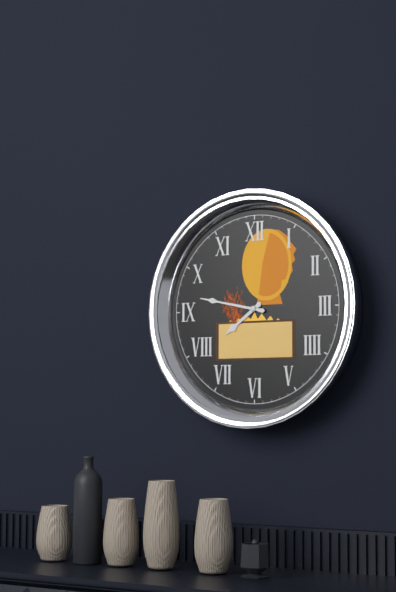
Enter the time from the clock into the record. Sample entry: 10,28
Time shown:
7,47
